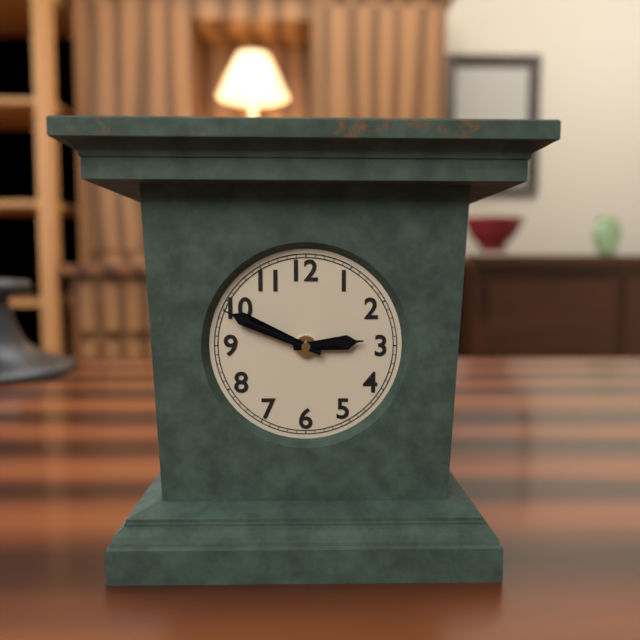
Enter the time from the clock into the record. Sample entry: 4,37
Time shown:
2,49
